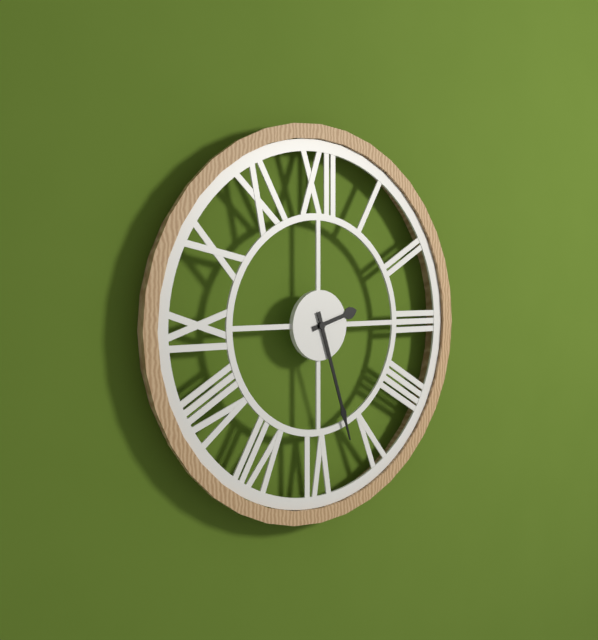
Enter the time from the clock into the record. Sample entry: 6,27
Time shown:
2,27
